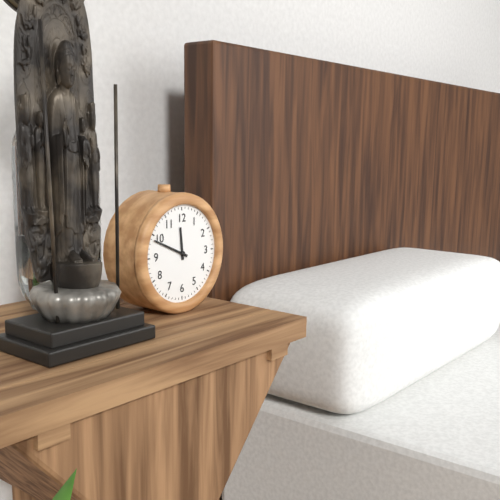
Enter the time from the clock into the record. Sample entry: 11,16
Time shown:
11,49
